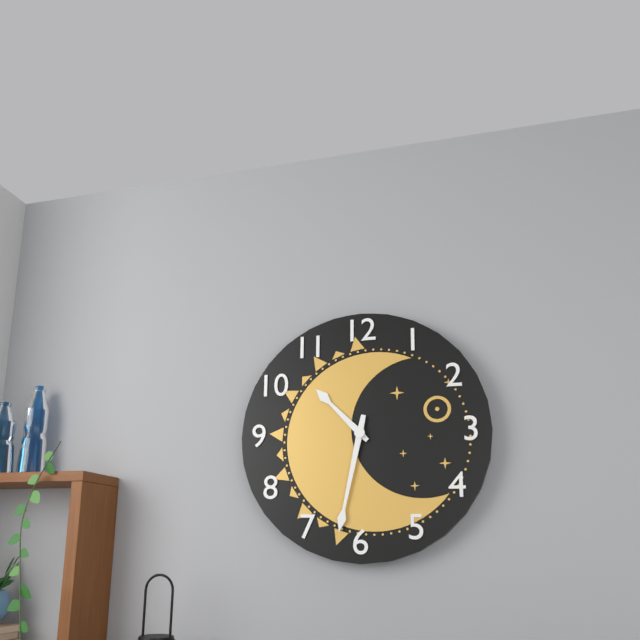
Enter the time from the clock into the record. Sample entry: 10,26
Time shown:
10,32
